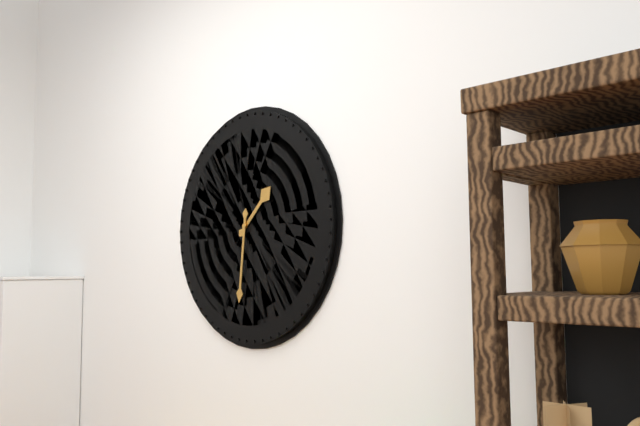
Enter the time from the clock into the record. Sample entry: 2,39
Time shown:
1,31
